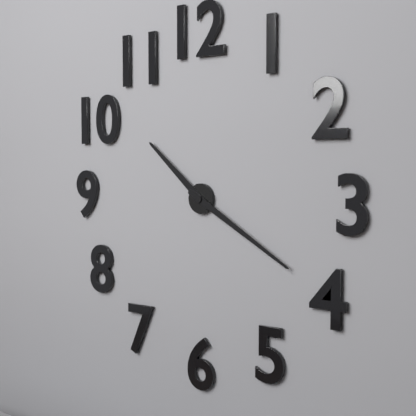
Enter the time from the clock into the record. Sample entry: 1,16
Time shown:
10,20
